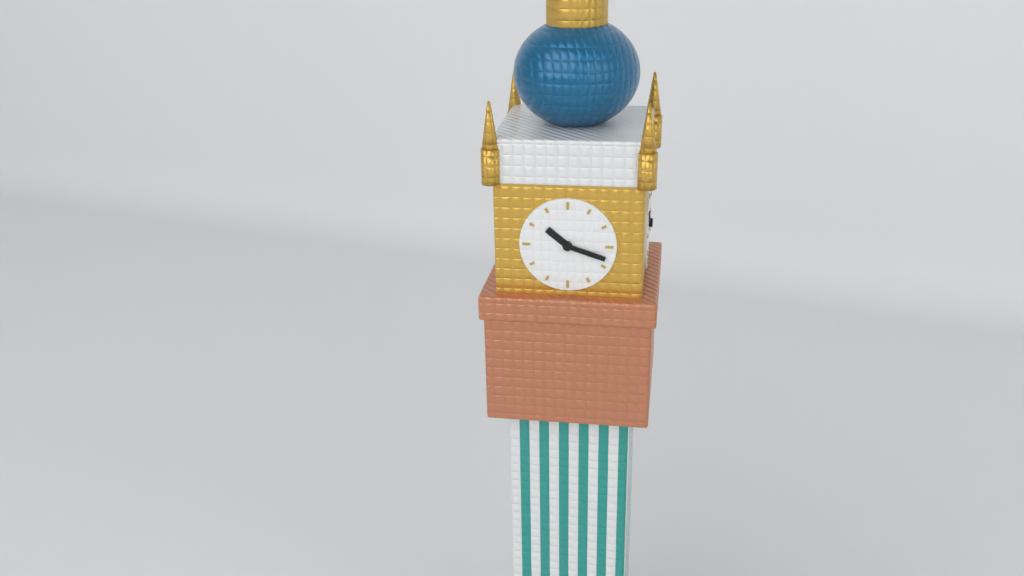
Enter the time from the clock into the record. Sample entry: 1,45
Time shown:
10,18
